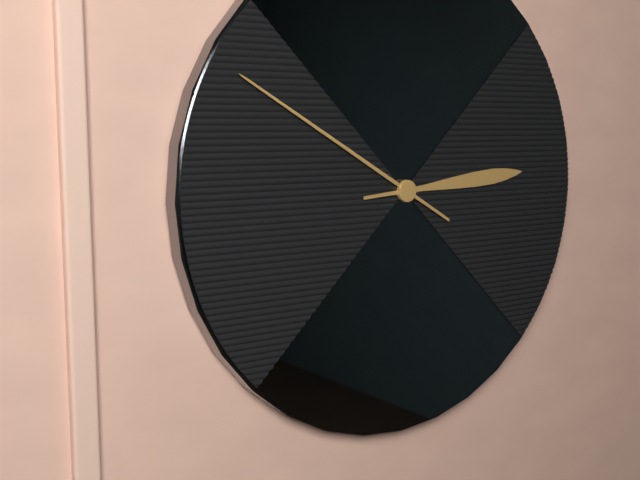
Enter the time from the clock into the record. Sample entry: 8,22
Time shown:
2,50
